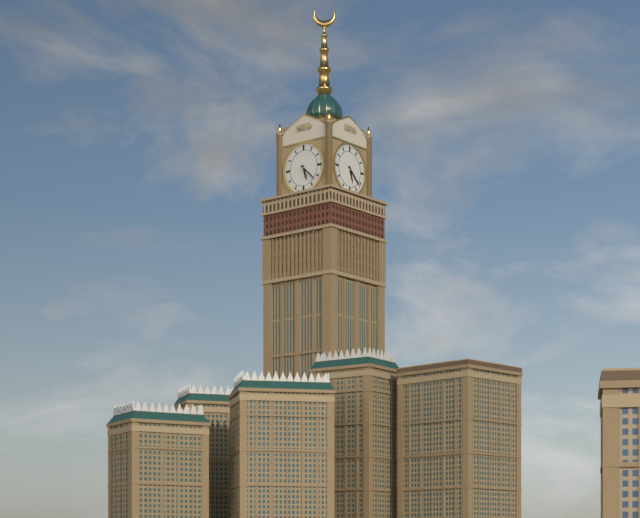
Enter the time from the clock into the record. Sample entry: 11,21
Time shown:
5,22
